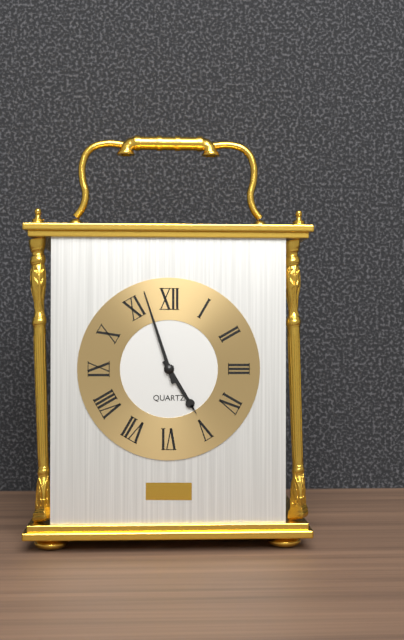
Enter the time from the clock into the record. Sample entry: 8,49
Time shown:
4,57
